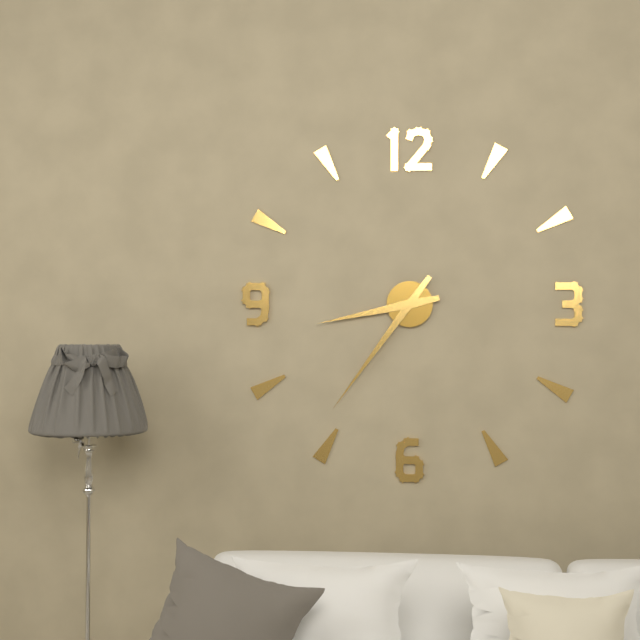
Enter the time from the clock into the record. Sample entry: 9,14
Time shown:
8,36
